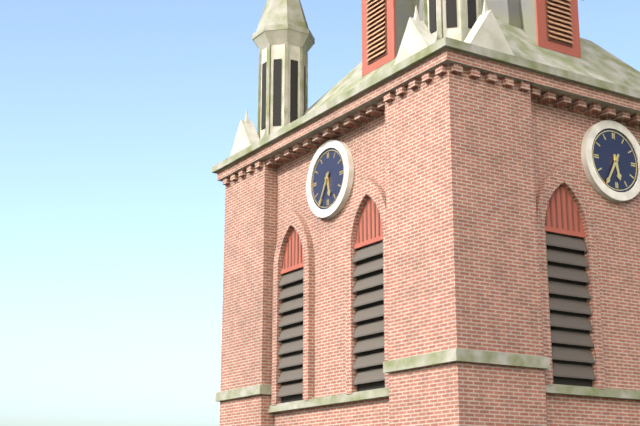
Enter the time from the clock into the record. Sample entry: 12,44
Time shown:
5,35
